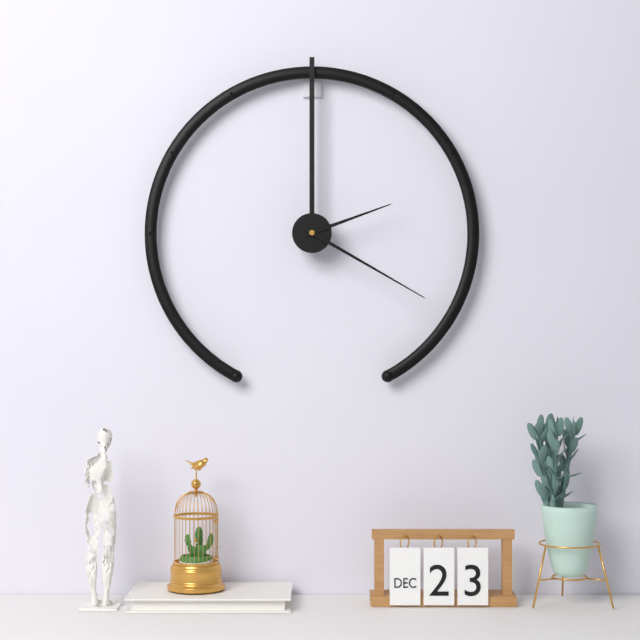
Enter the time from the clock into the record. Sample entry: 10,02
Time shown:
2,20
